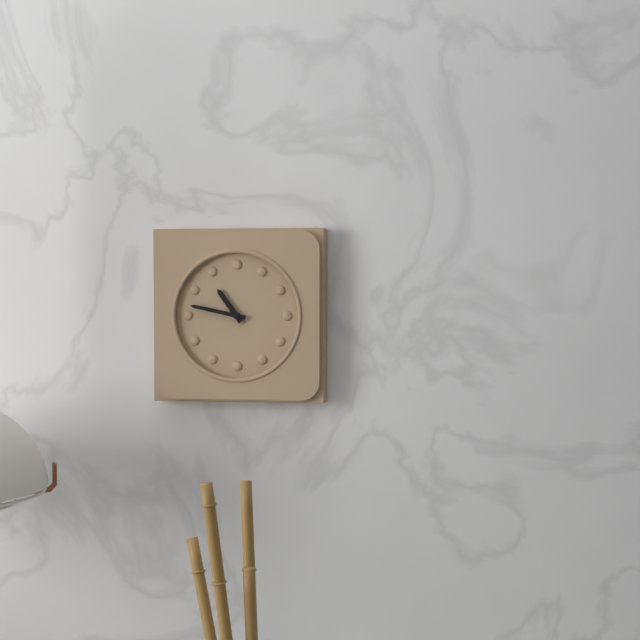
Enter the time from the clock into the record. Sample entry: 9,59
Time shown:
10,47
